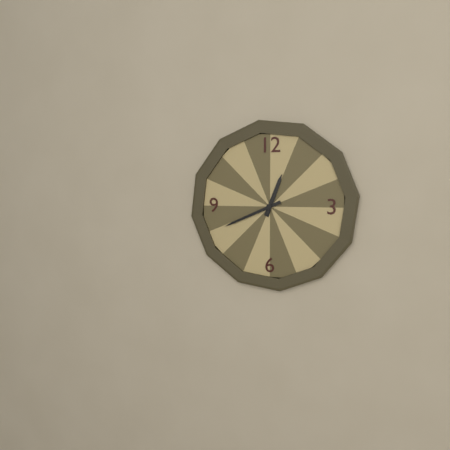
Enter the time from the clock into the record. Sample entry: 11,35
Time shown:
12,41
